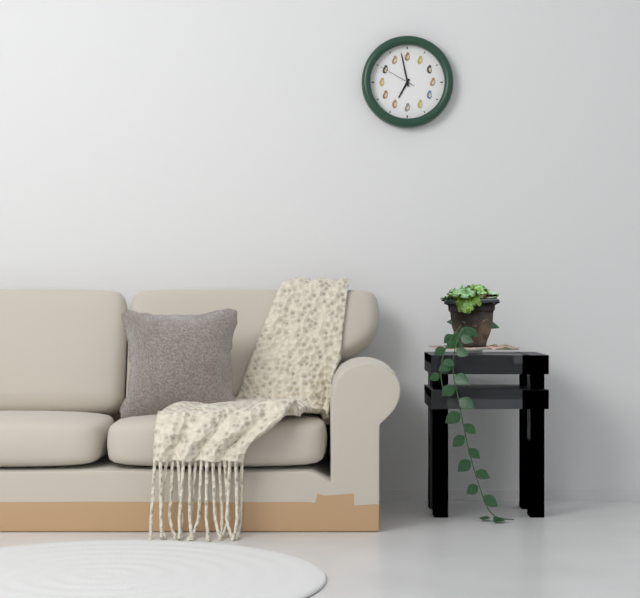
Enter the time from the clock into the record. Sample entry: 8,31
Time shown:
6,58
